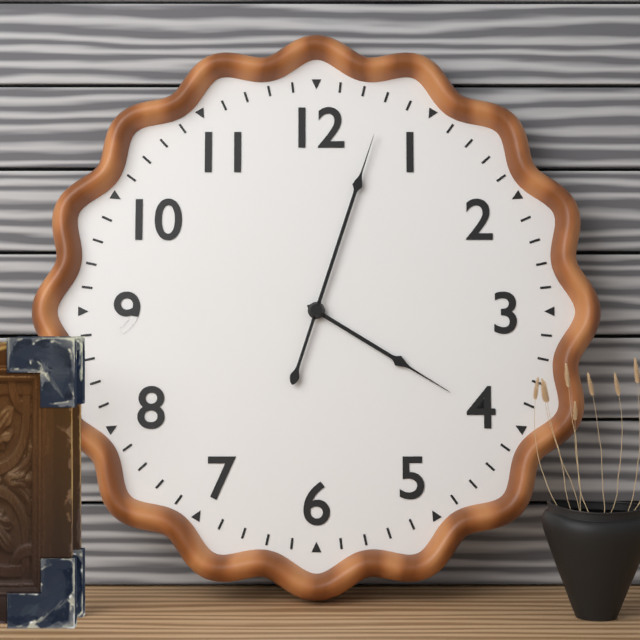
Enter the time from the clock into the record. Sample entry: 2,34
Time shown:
4,03
